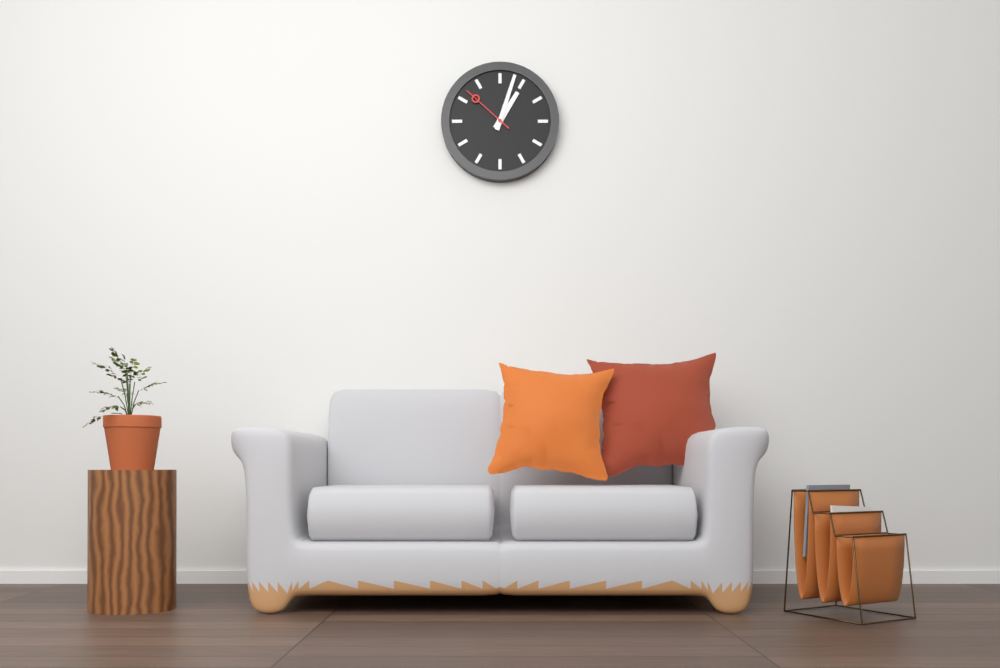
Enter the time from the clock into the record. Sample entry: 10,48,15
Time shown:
1,03,52
